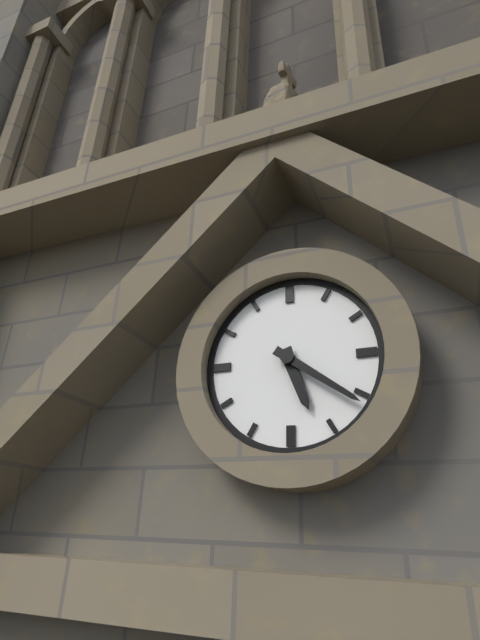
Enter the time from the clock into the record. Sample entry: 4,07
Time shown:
5,21
